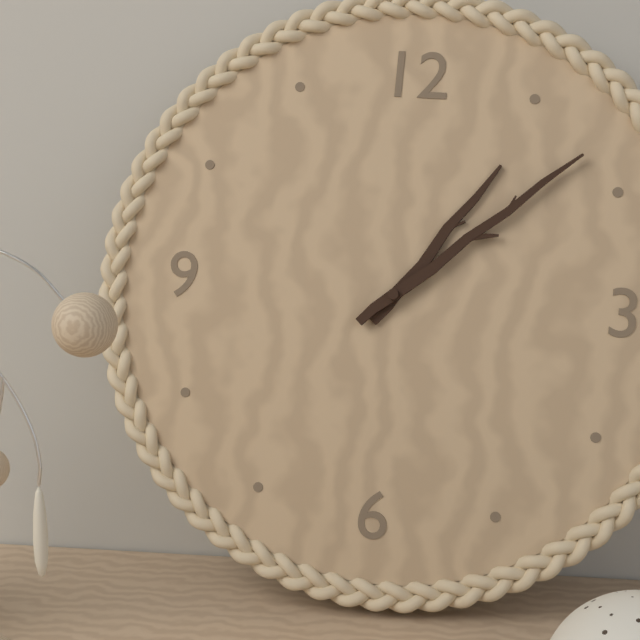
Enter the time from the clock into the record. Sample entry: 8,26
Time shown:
1,08
